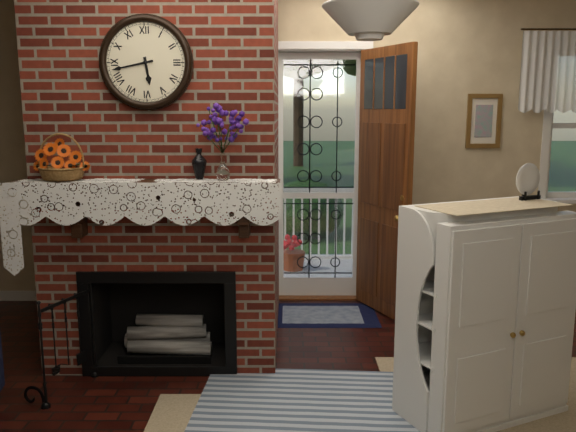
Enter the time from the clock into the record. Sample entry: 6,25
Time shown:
5,43
